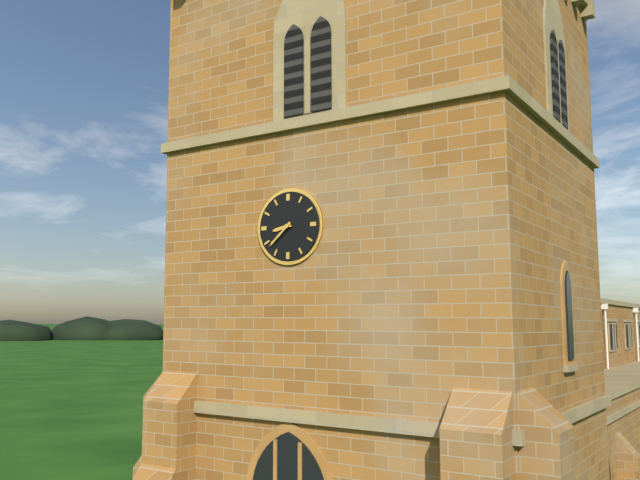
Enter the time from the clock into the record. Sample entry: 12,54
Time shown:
8,38
